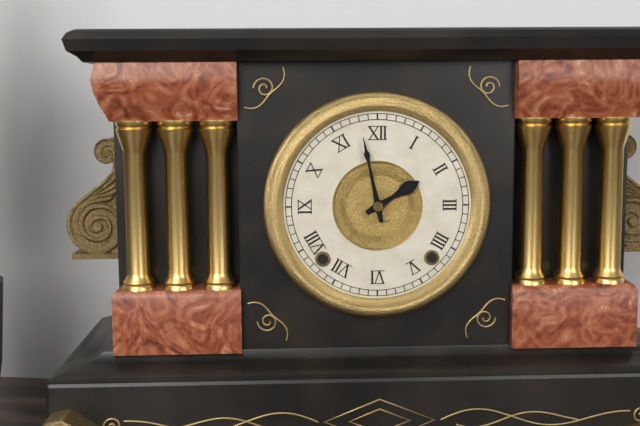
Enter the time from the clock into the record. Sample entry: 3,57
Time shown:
1,58
